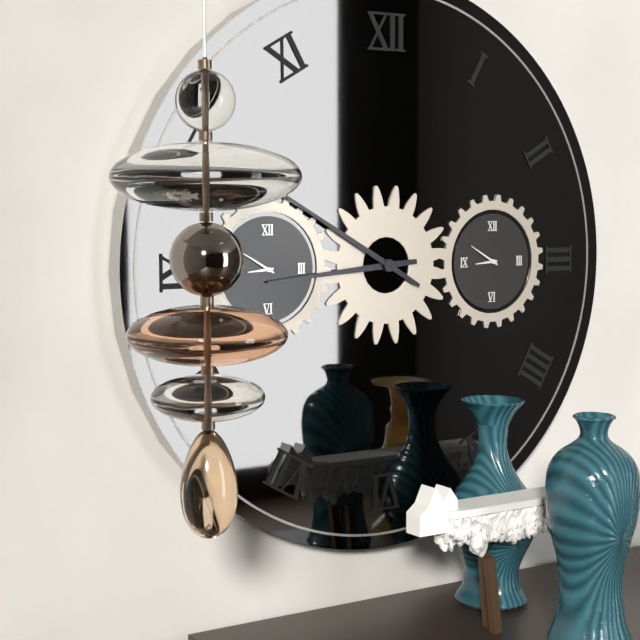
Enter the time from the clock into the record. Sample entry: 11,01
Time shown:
8,50
